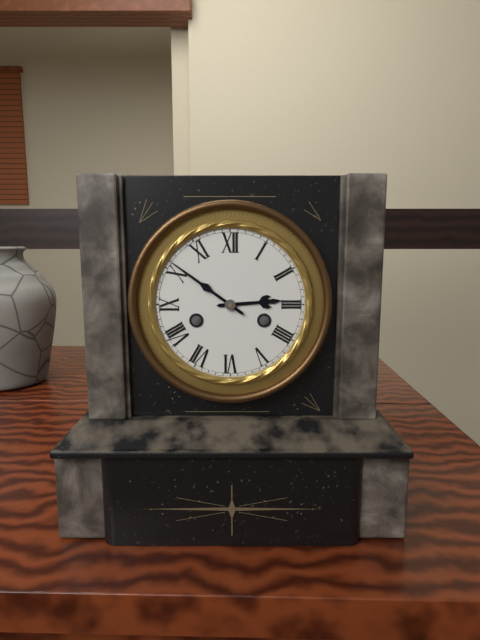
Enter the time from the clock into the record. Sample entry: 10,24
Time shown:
2,51
